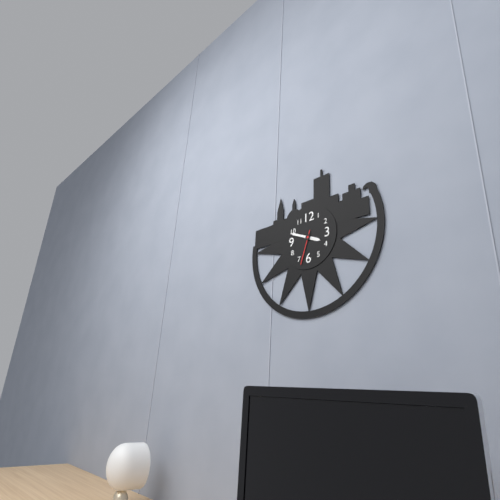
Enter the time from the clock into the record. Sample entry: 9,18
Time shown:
3,49
